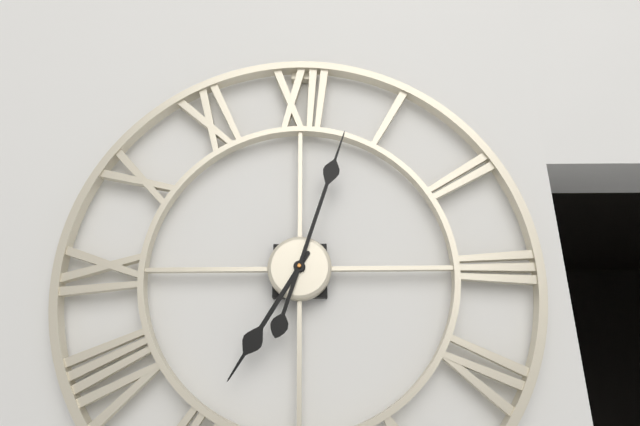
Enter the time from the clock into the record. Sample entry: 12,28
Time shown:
7,03
